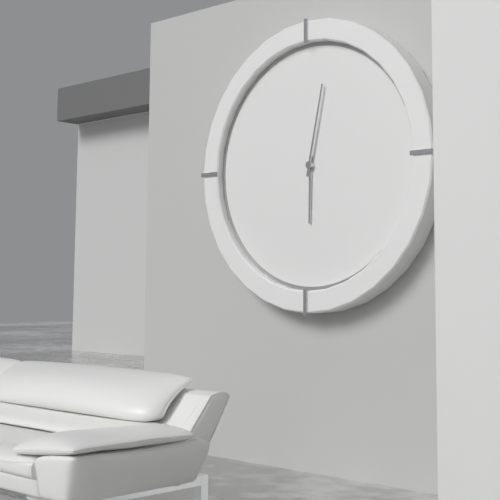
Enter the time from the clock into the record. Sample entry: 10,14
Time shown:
6,02
